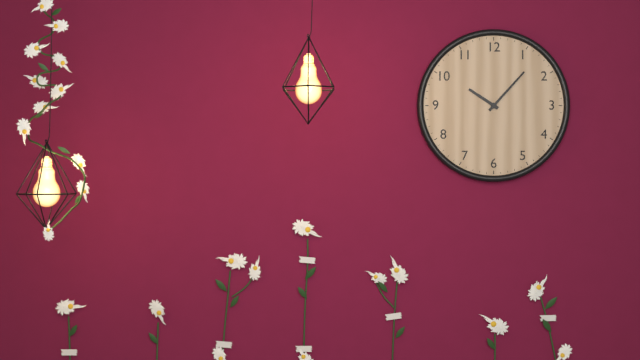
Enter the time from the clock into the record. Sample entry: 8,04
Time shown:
10,07
